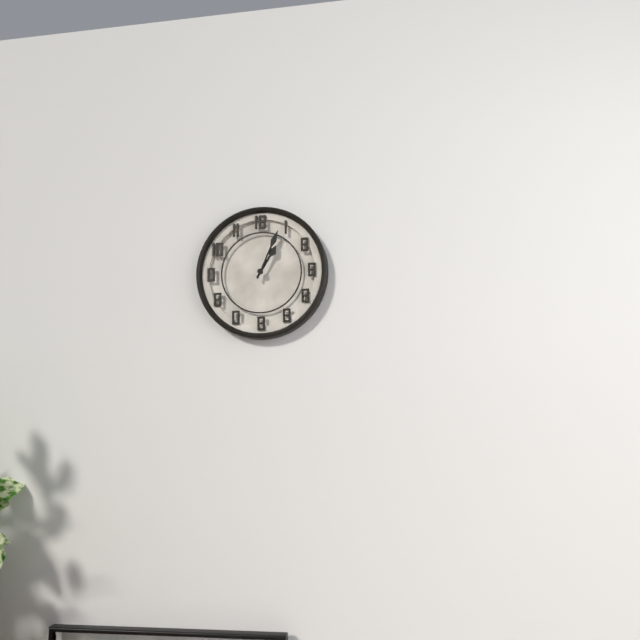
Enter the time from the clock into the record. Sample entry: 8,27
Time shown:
1,04
